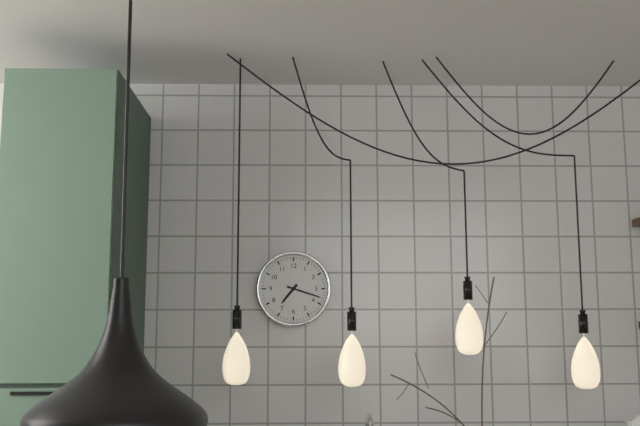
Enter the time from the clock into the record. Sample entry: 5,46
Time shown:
7,18
